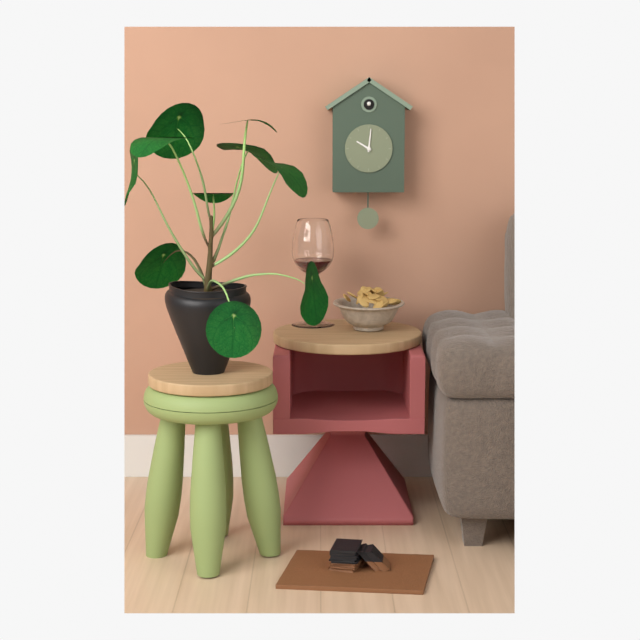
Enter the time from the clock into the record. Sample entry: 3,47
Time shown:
10,01
